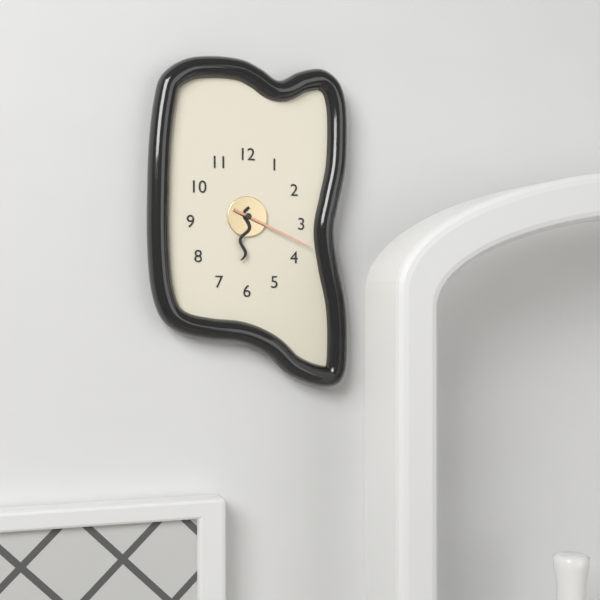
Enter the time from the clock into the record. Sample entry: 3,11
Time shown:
6,19
